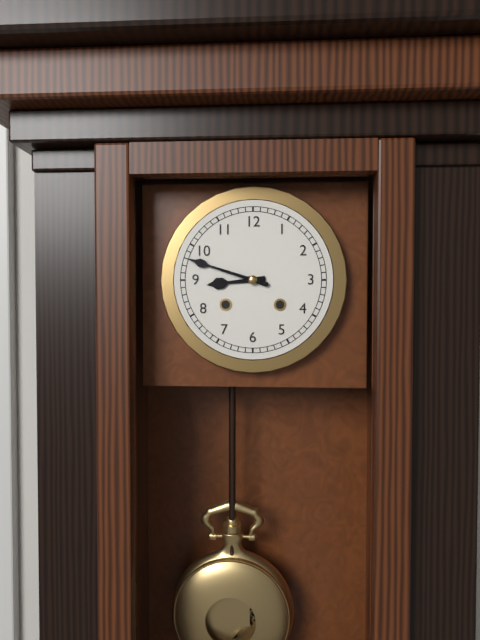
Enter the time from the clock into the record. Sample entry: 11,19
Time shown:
8,48
